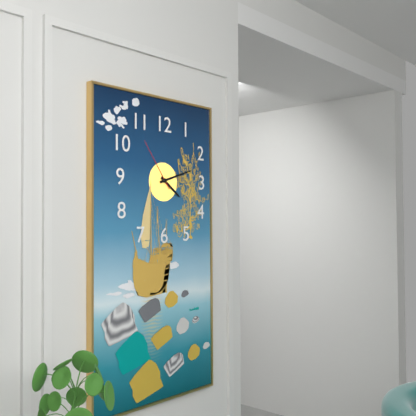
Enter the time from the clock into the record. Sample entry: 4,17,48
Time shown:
4,12,54
